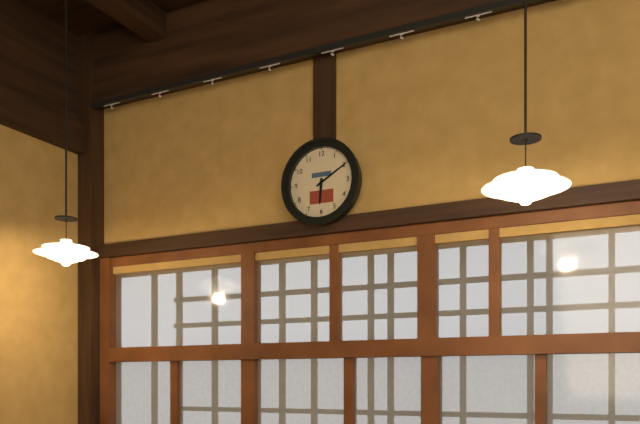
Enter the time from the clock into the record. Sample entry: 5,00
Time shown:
6,10
